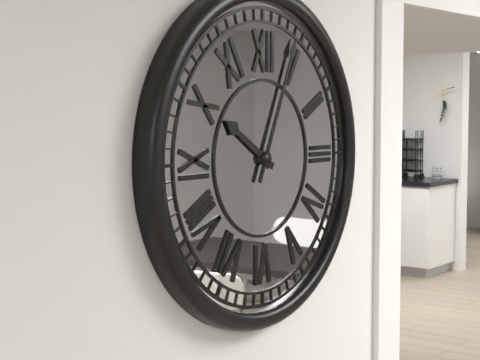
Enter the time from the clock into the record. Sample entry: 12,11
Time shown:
10,04
